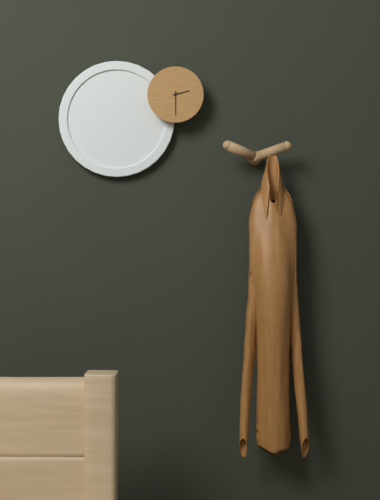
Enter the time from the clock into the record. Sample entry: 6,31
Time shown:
2,30
